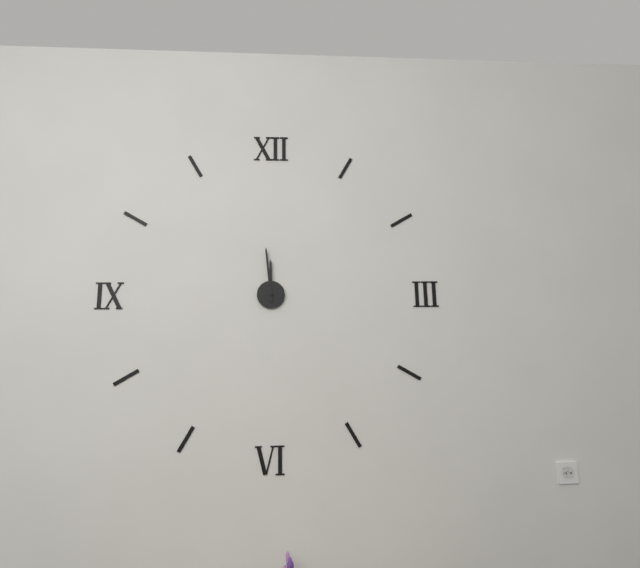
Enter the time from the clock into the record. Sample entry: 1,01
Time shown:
11,59
